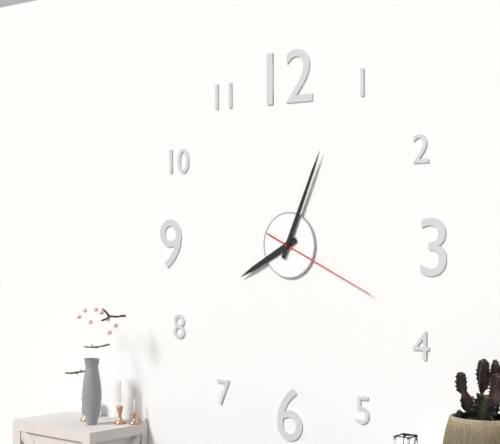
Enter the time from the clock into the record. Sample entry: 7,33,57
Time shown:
8,04,19
